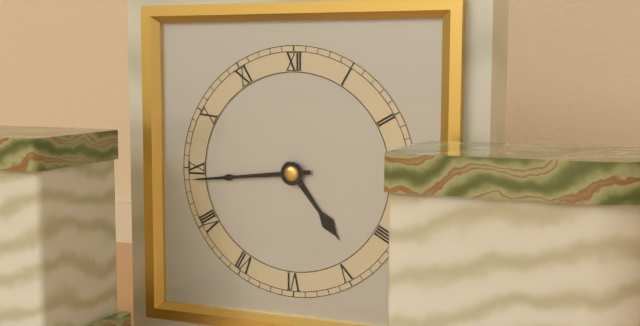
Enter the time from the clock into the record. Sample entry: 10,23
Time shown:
4,44
